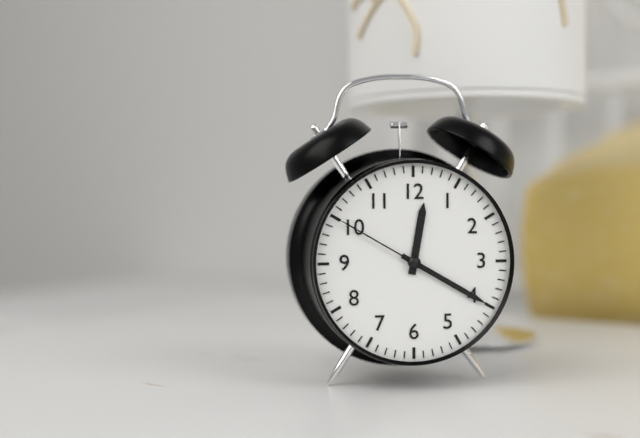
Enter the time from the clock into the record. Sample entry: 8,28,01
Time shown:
12,20,50
